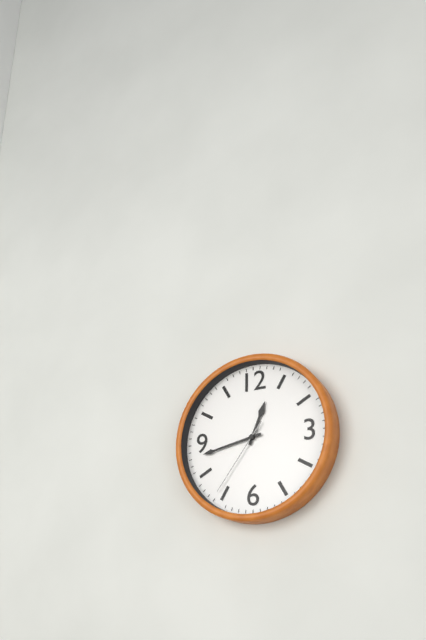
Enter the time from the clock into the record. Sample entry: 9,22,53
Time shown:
12,43,36
